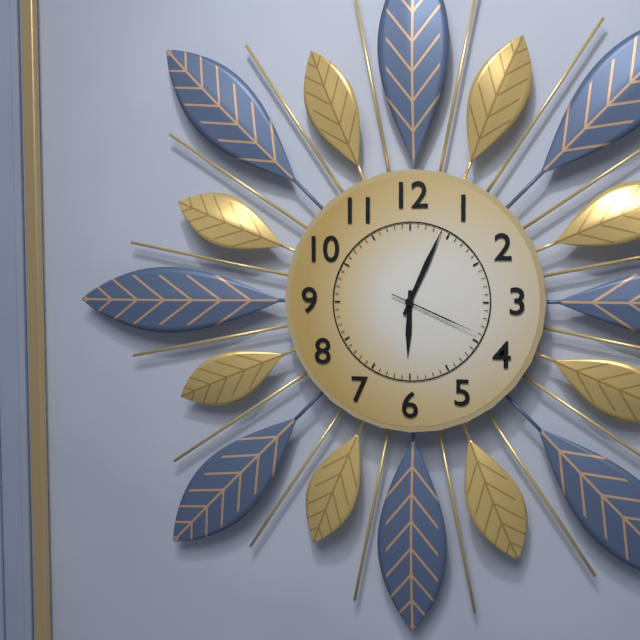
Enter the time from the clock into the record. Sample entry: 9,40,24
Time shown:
6,04,19
